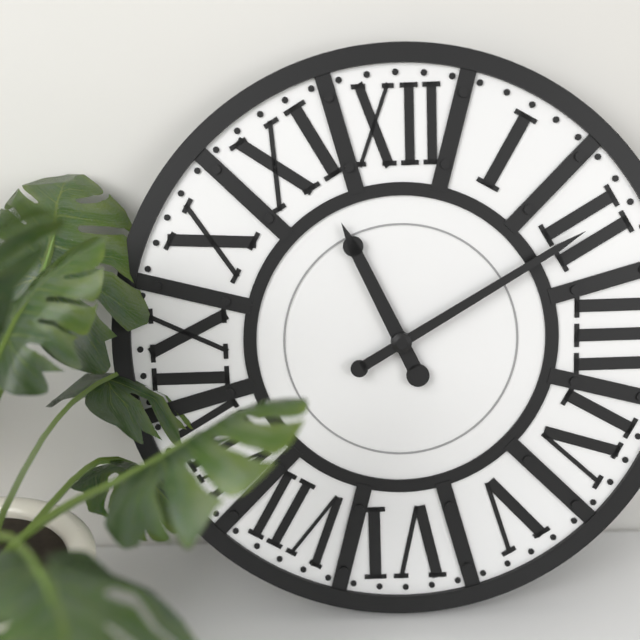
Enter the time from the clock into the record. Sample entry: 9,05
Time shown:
11,10
